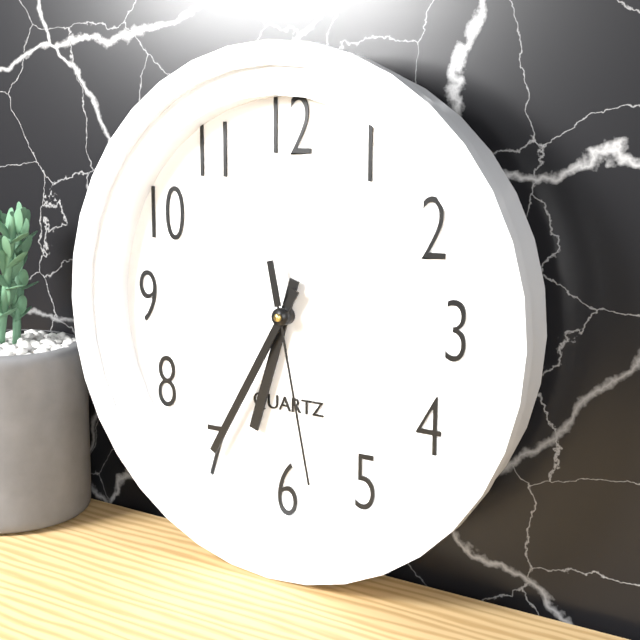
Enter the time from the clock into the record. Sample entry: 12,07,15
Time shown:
6,35,28
